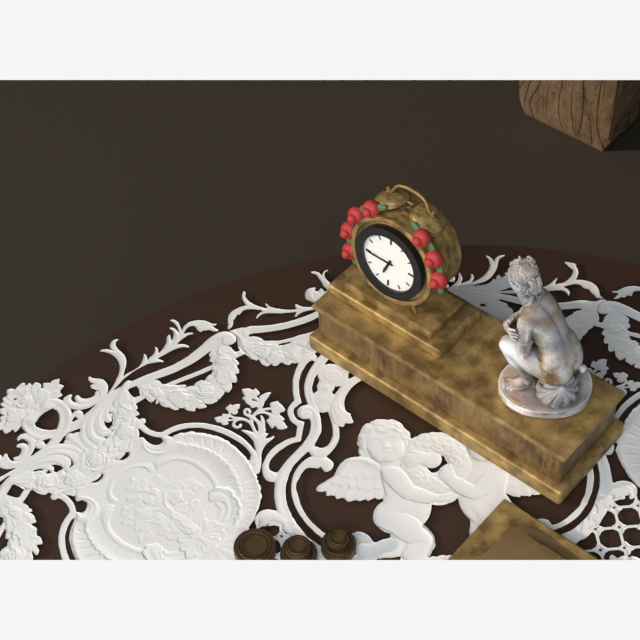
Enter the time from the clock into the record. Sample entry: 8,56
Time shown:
6,45
